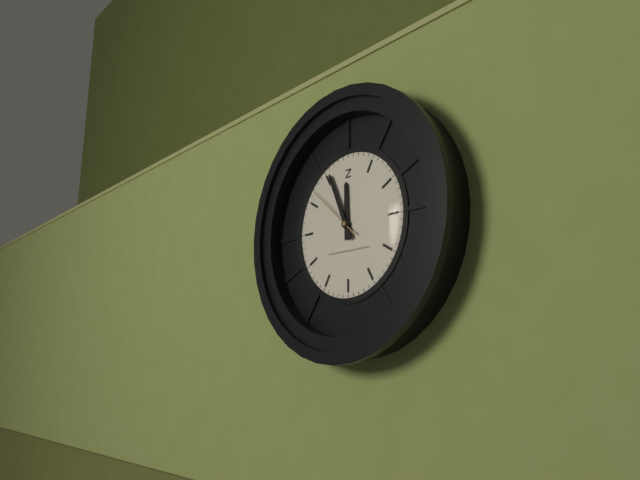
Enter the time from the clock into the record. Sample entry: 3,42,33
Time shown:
11,56,52
